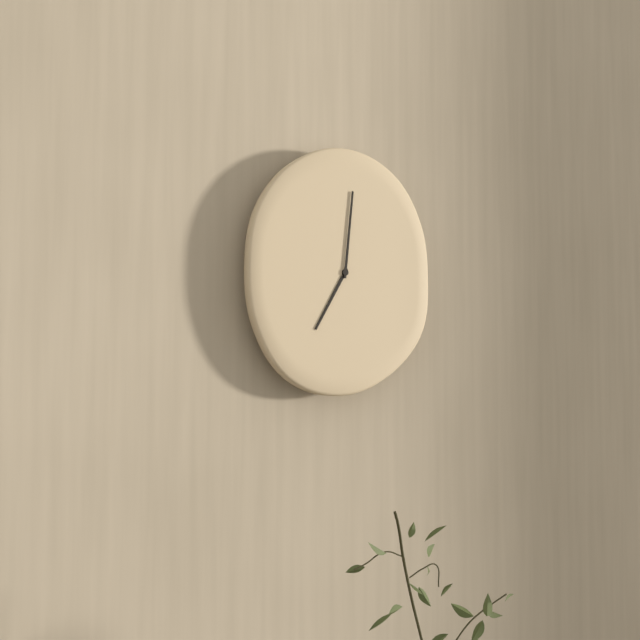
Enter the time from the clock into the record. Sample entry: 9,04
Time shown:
7,01
